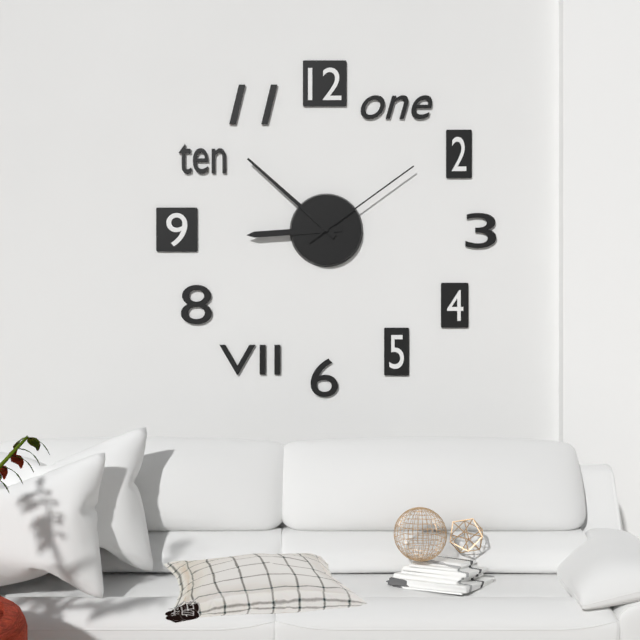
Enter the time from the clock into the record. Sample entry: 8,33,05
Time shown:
8,52,09
